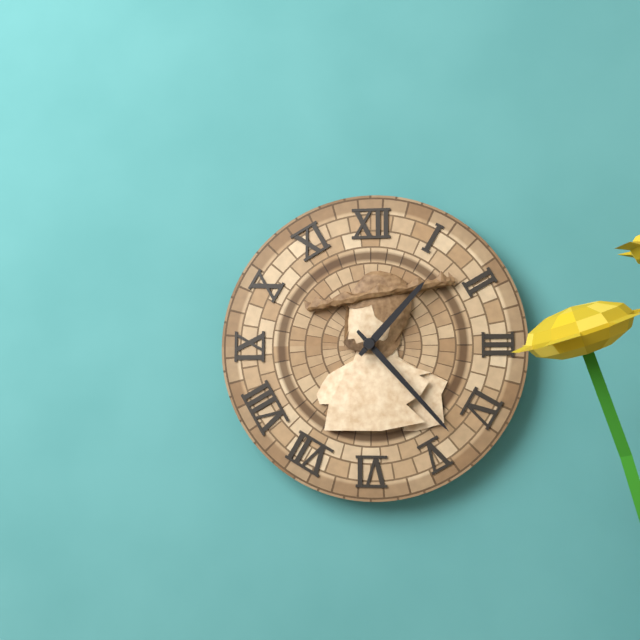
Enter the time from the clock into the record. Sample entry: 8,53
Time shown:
1,23
